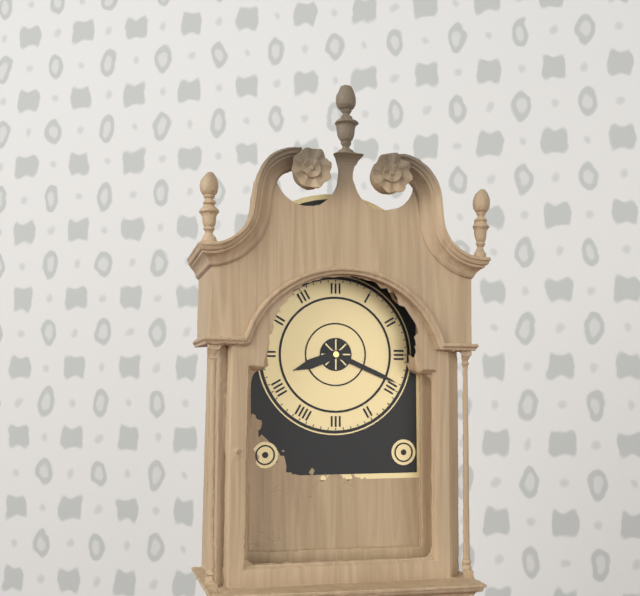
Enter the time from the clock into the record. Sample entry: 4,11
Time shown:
8,19
